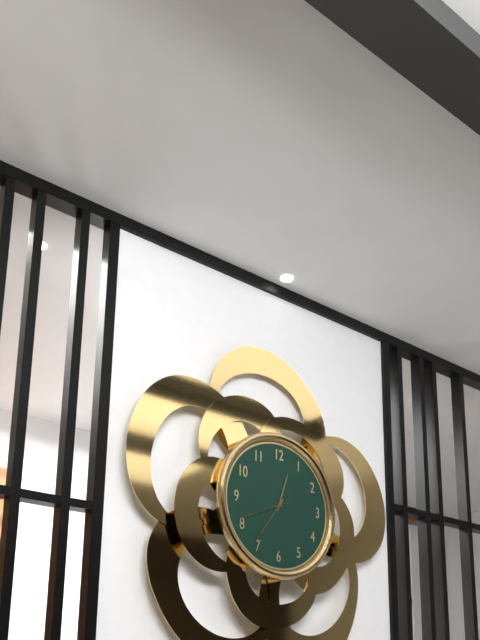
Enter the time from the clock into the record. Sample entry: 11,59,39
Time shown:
12,36,41
